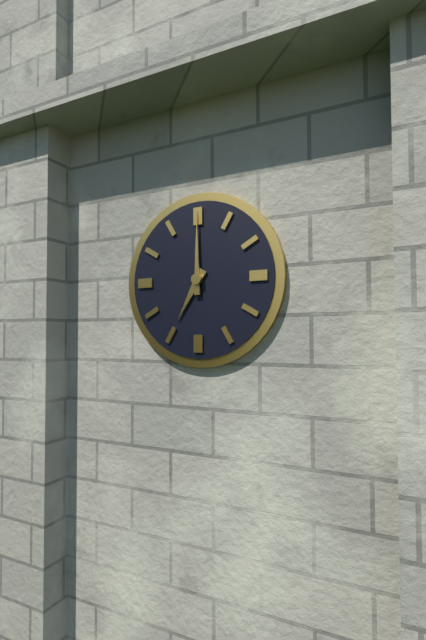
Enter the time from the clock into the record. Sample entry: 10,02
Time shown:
7,00
